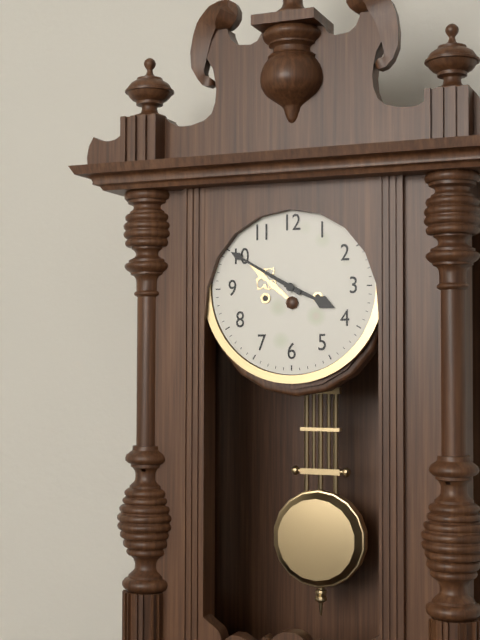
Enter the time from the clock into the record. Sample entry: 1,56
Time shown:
3,50
